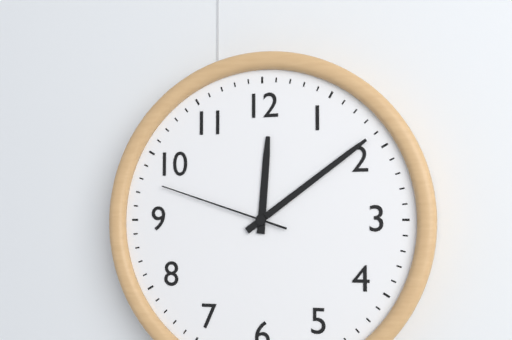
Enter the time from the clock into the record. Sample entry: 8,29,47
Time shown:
12,09,48
